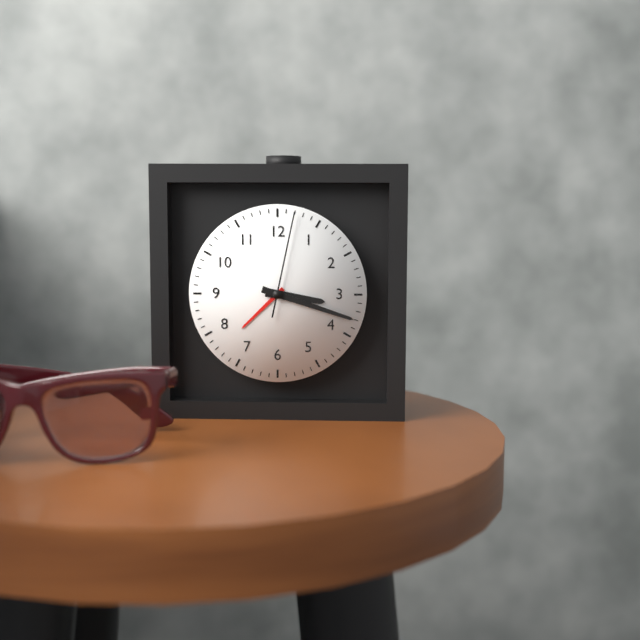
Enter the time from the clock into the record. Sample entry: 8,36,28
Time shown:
3,18,02
